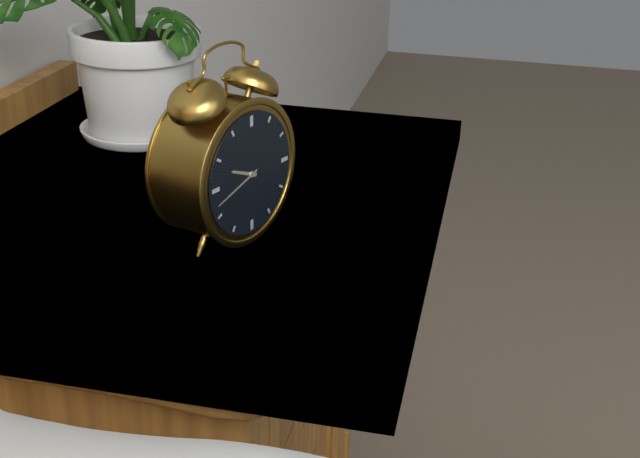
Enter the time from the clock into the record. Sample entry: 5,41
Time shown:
9,42
